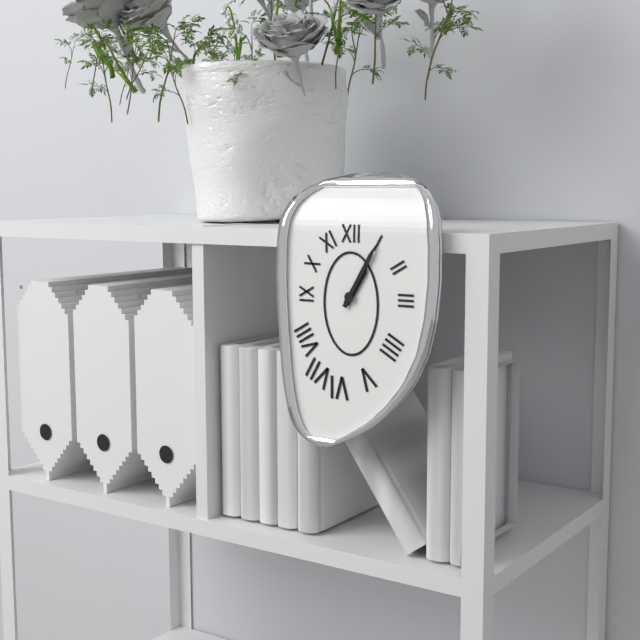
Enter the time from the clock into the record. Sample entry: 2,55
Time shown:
1,05
